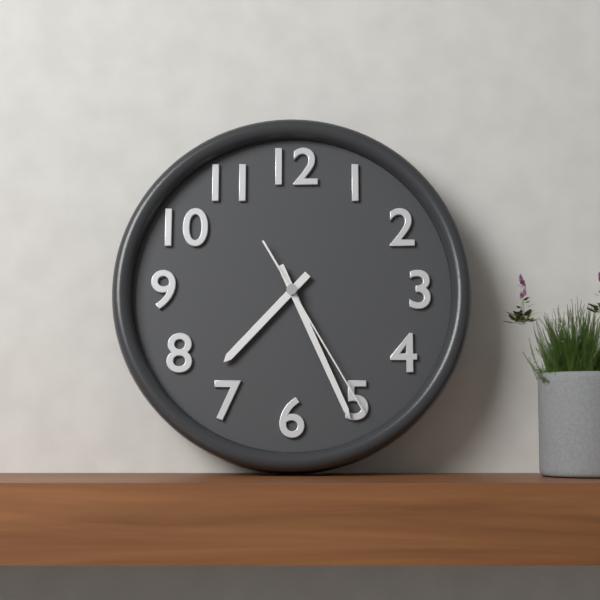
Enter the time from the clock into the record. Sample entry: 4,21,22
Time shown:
7,26,25
